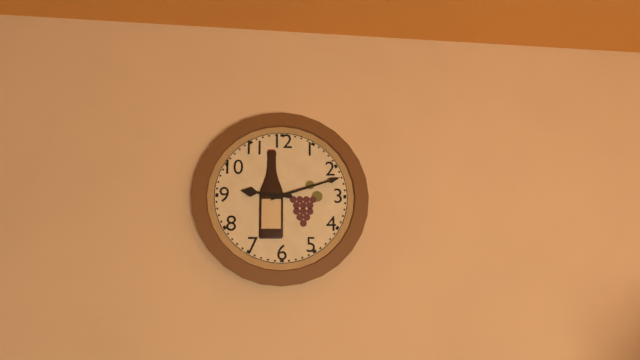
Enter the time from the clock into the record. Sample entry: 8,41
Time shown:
9,12
